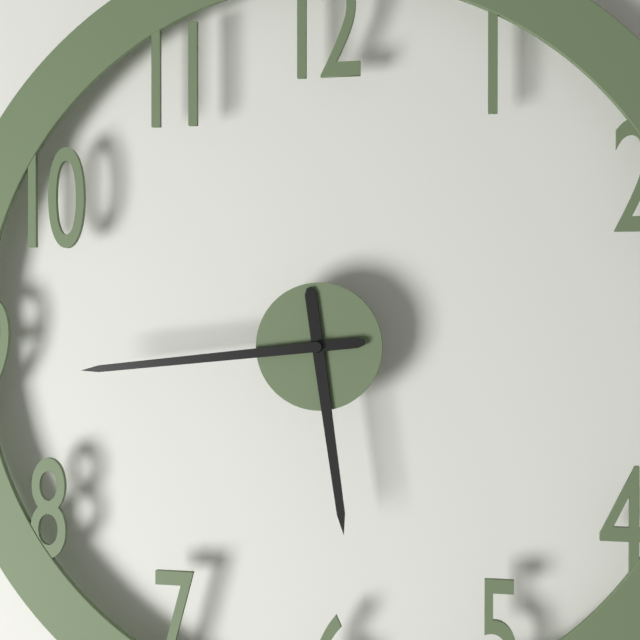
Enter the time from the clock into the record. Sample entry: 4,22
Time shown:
5,44
